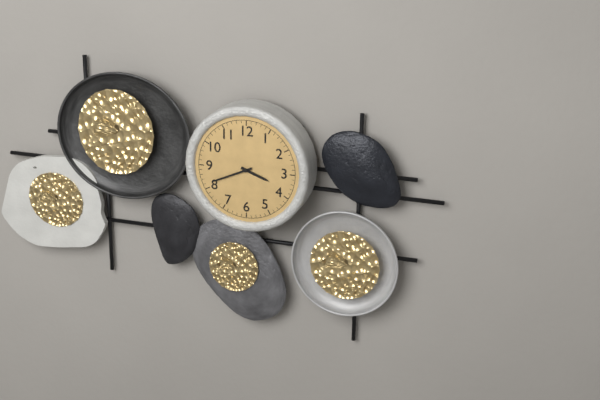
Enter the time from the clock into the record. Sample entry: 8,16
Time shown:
3,41
